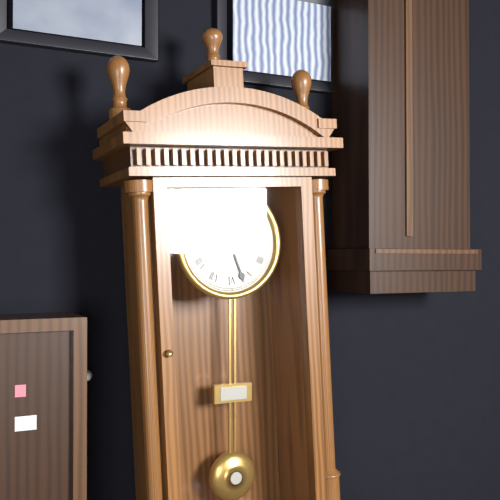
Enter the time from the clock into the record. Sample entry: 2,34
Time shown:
10,27
